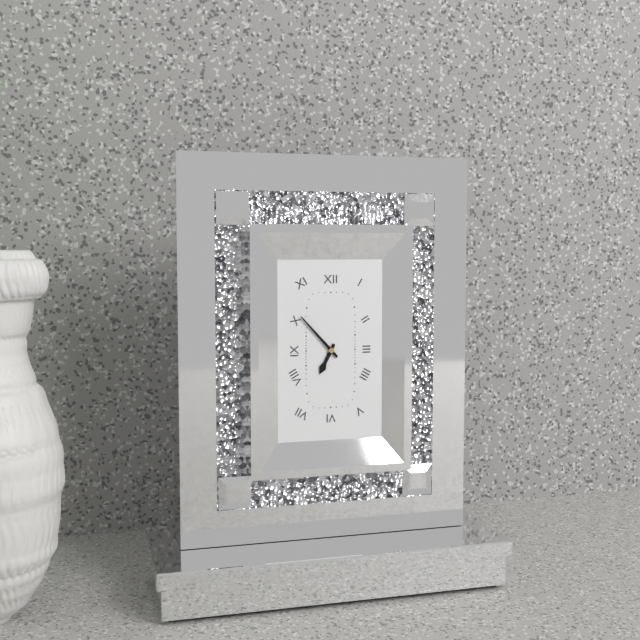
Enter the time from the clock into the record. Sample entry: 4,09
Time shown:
6,53
